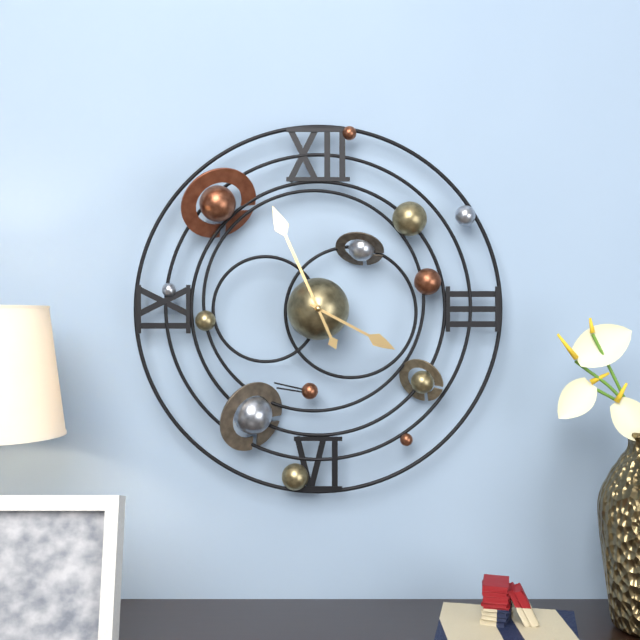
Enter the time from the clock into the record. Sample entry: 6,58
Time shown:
3,56
